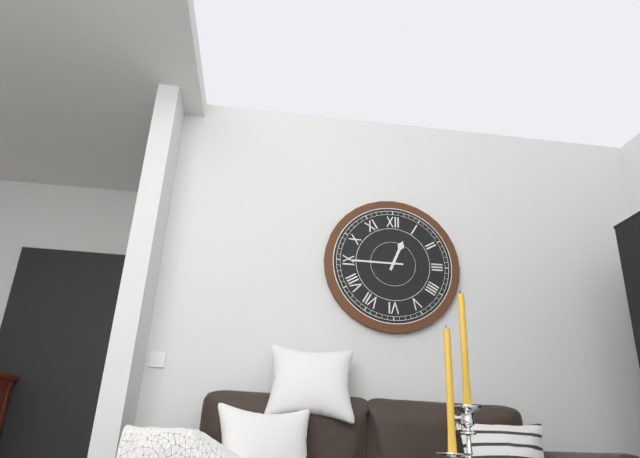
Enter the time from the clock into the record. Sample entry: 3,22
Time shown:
12,45
